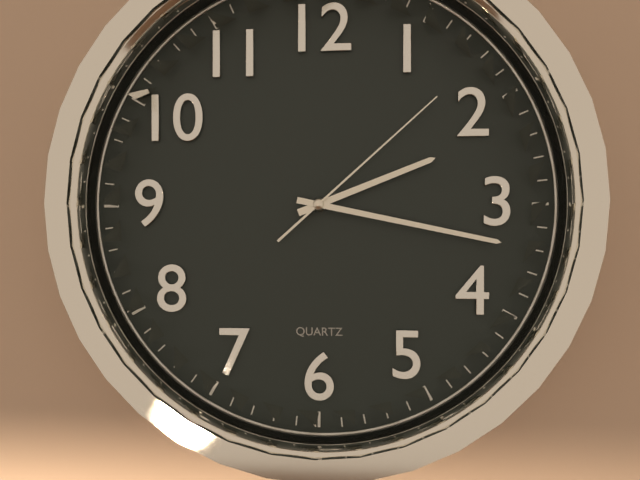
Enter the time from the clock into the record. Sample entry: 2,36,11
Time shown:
2,17,08
